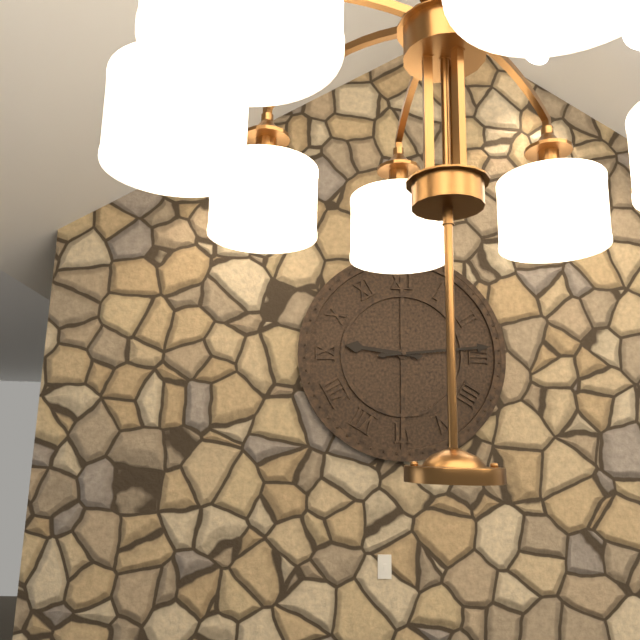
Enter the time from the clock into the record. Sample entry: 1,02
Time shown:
9,14
